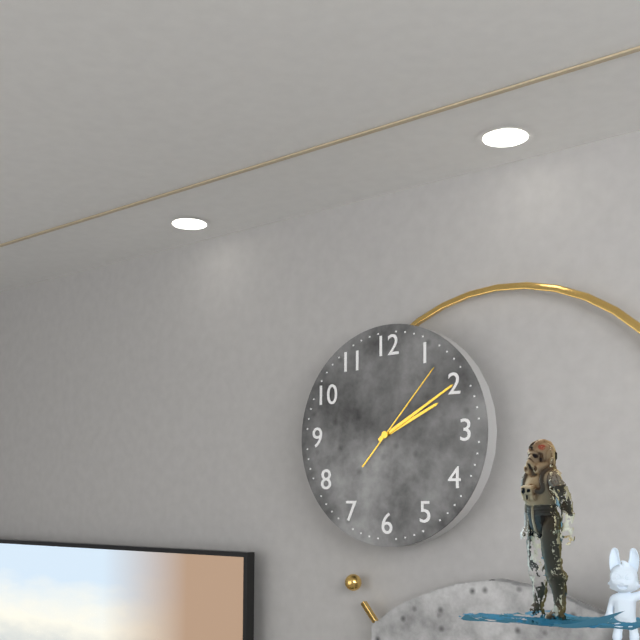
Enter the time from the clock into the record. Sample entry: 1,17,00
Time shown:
2,10,07
